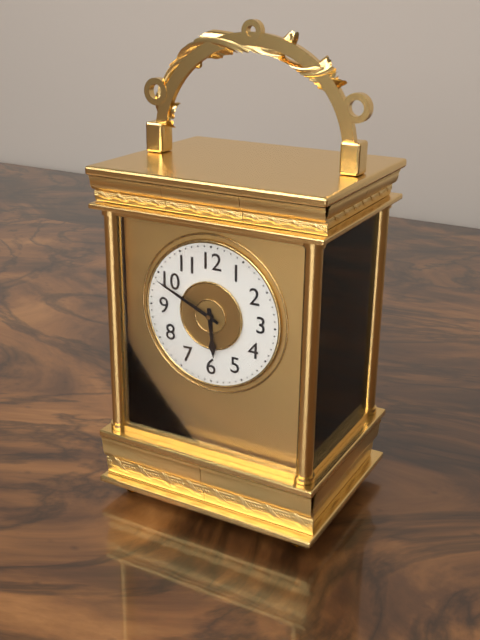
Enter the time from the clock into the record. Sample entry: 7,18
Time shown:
5,49
